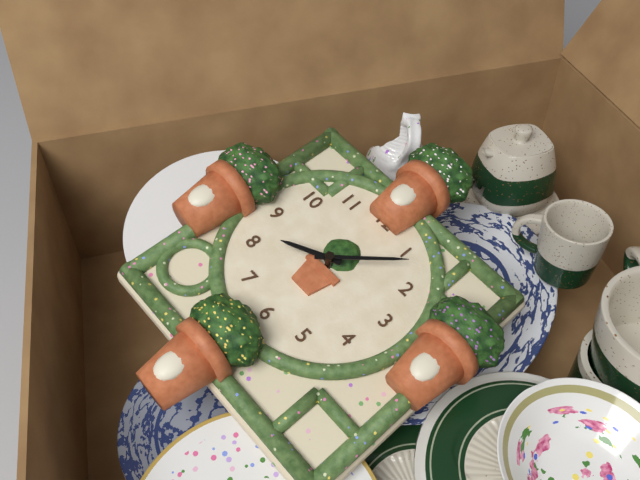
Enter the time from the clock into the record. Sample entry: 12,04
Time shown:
8,07
